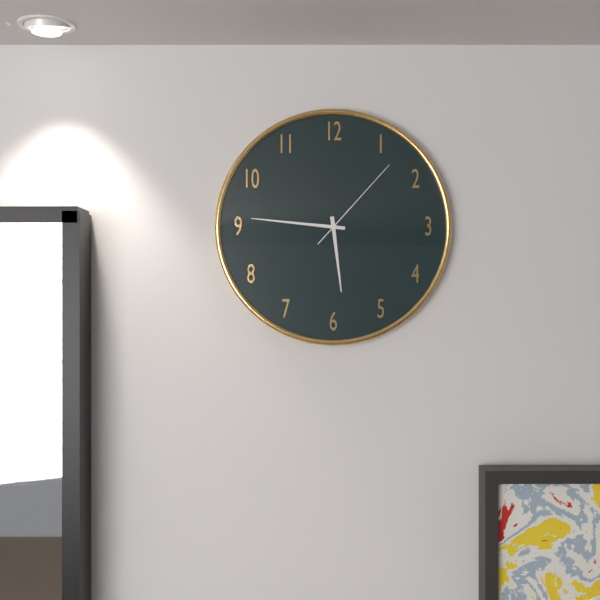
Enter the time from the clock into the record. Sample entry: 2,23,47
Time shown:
5,46,07
